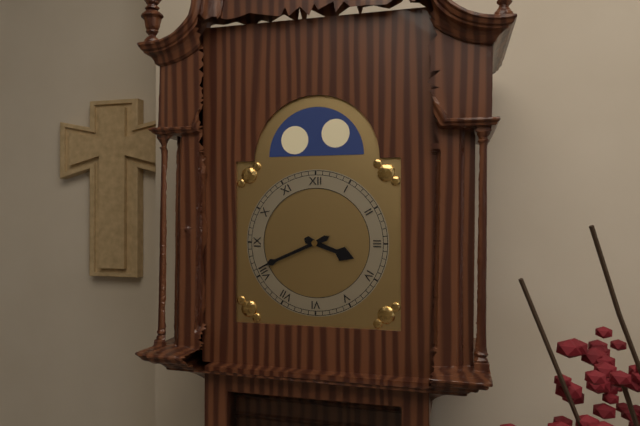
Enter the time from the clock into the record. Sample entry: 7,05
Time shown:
3,41
